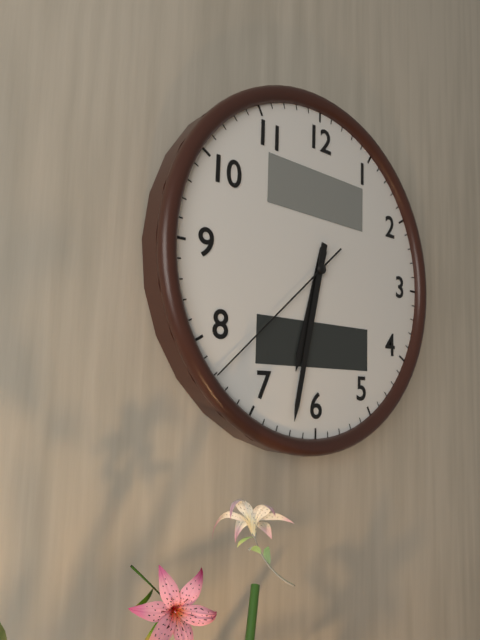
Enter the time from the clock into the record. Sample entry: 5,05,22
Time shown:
6,32,38
